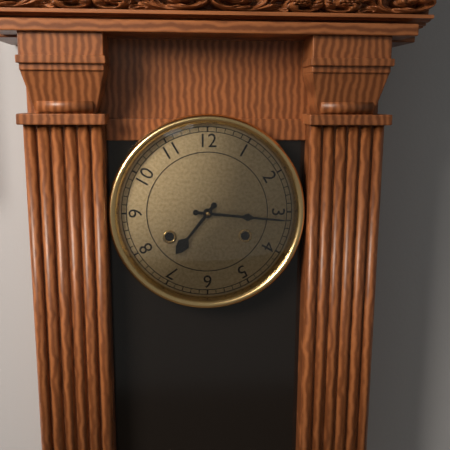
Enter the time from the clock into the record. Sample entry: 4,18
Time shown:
7,16
